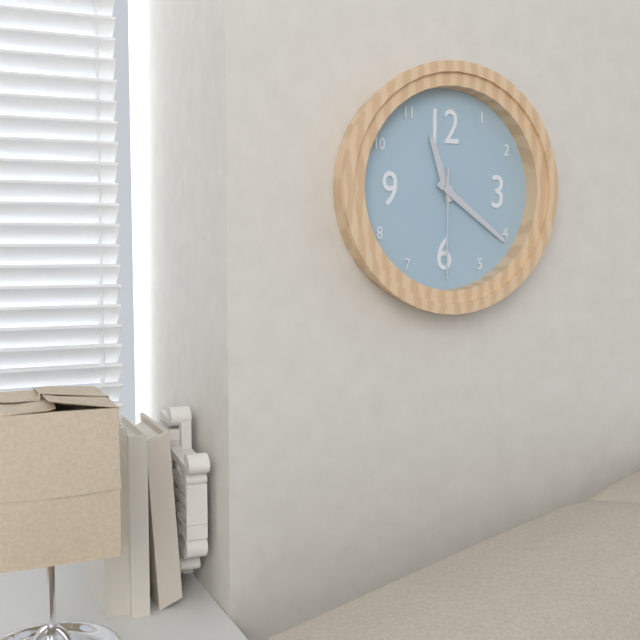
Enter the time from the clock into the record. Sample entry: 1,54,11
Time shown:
11,21,30
